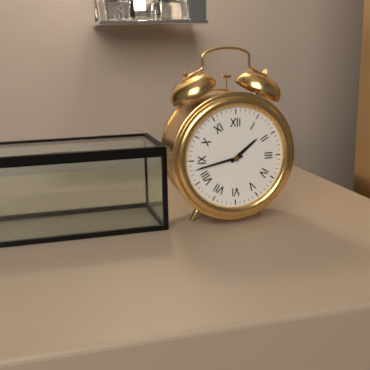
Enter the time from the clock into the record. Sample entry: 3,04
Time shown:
1,43
